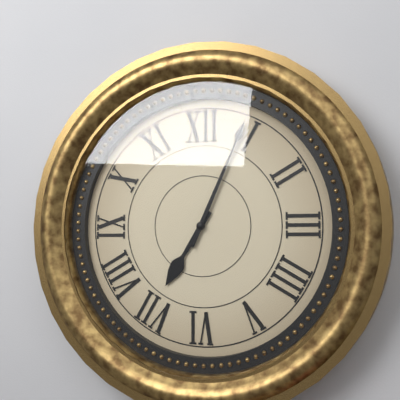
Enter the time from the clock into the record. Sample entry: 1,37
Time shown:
7,04
